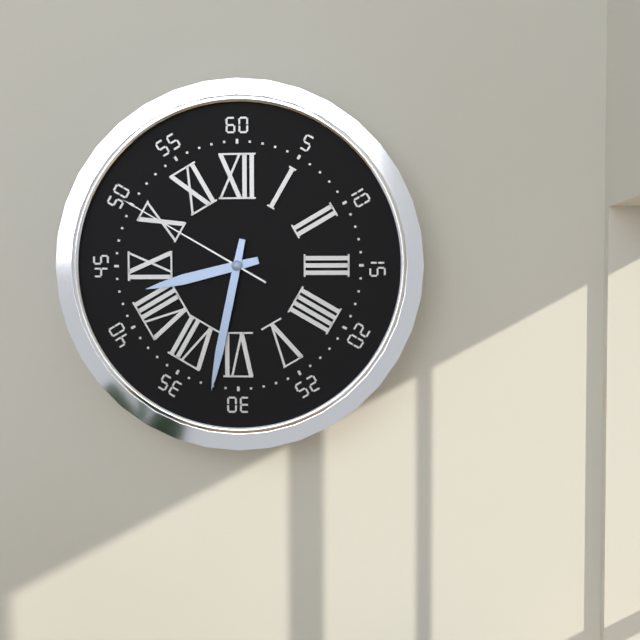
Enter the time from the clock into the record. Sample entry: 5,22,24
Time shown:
8,32,50
